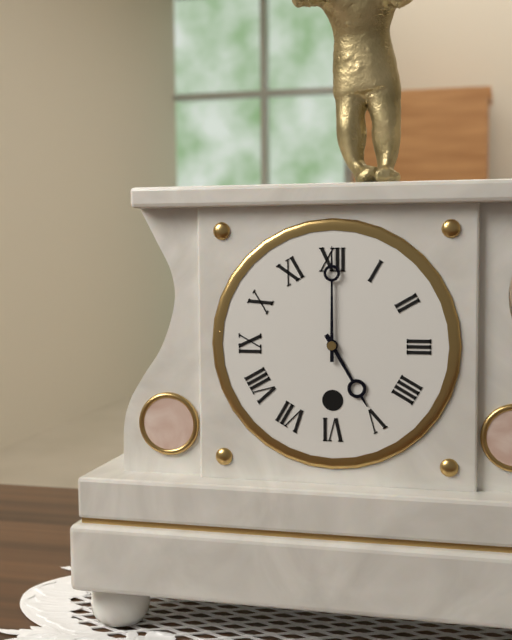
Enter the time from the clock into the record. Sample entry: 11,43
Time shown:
5,00
